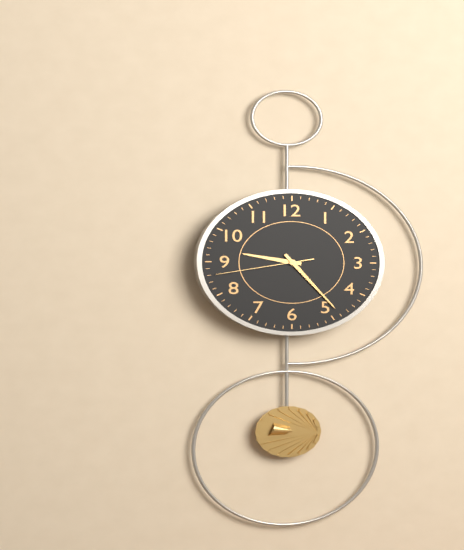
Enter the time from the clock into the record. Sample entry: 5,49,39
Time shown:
9,24,43
